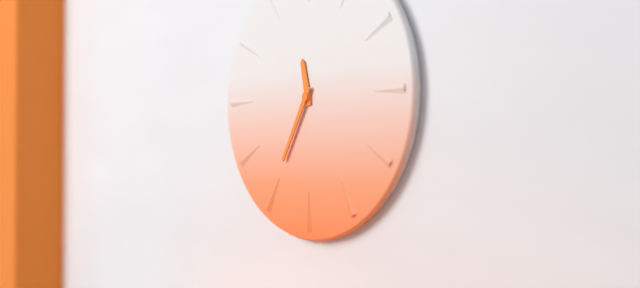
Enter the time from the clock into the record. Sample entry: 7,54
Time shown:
11,35
